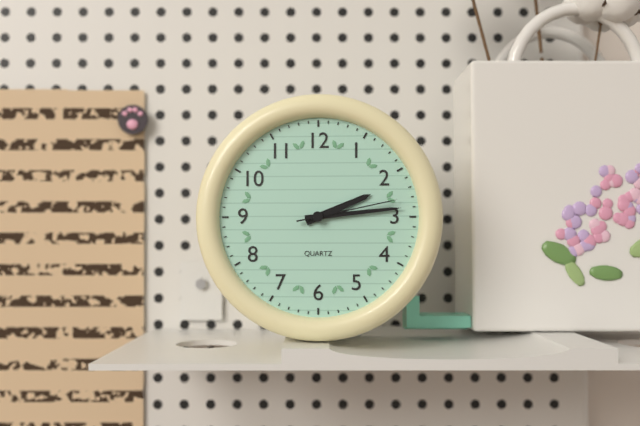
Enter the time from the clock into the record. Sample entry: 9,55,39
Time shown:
2,14,13
